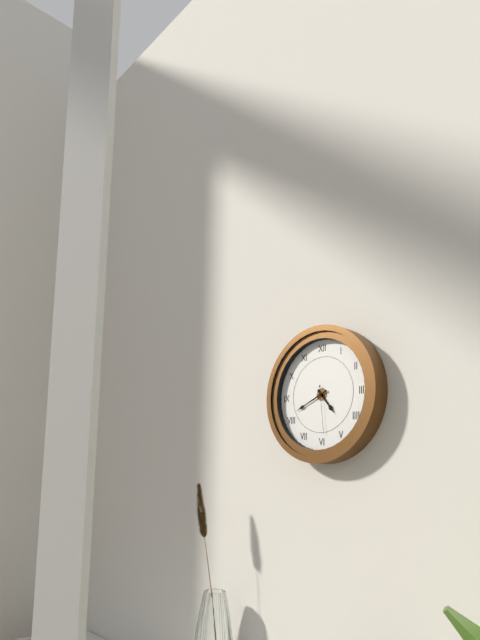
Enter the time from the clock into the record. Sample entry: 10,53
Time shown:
4,41
